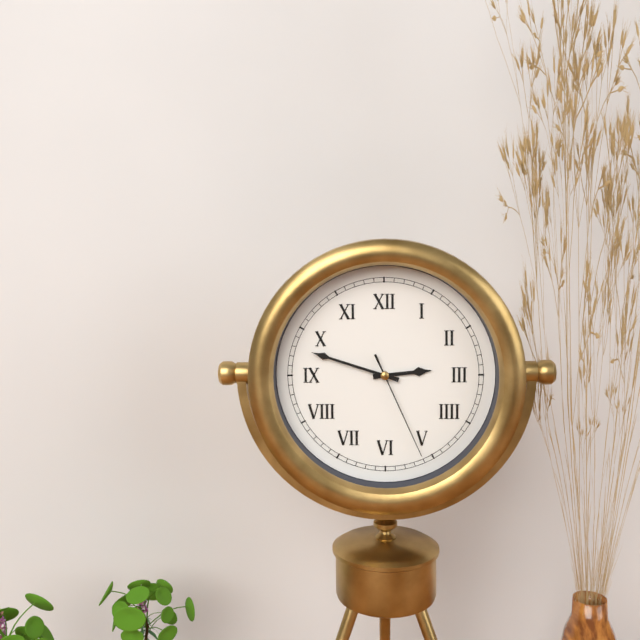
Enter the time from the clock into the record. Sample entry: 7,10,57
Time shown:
2,48,26
